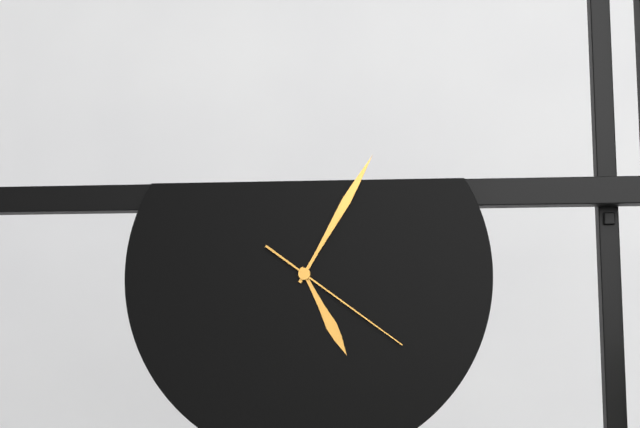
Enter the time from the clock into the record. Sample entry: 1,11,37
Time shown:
5,05,21
